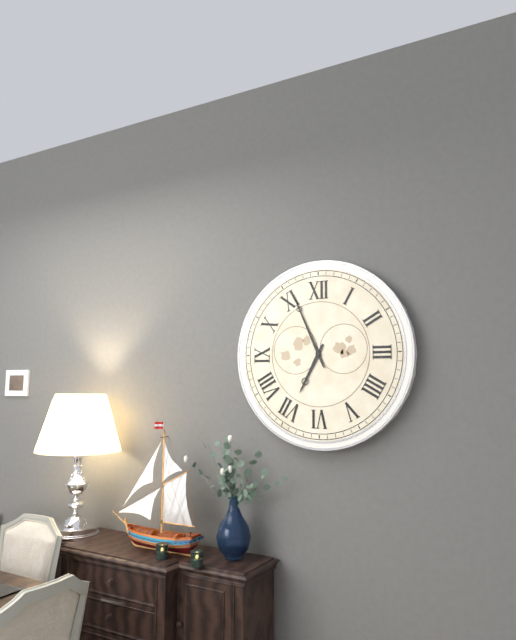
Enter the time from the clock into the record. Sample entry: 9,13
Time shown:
6,56
